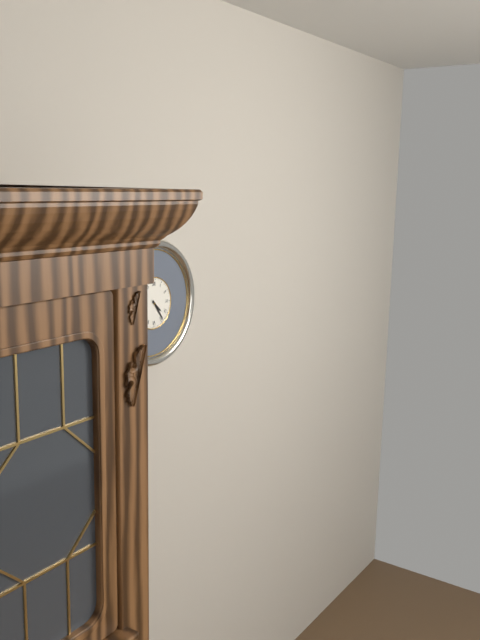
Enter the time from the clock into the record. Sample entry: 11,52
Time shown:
4,24
